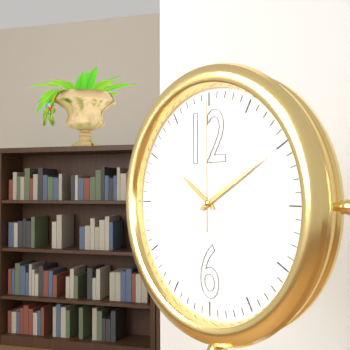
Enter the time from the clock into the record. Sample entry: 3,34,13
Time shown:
10,10,00
